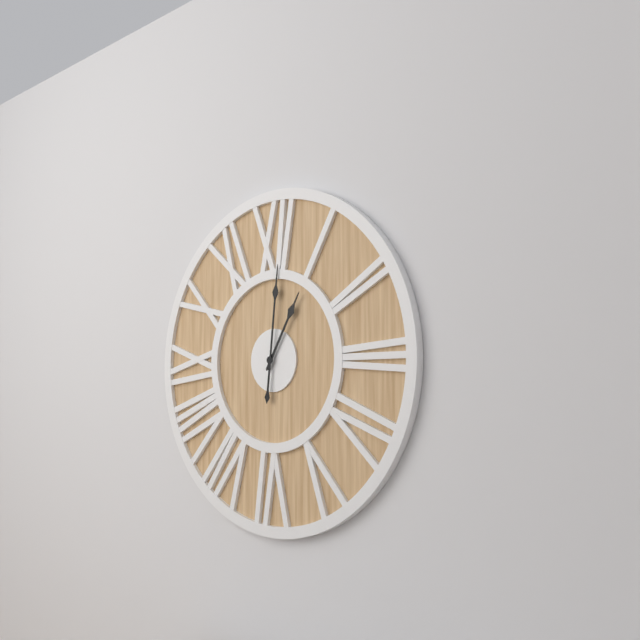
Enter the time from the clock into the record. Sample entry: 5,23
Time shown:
1,01
